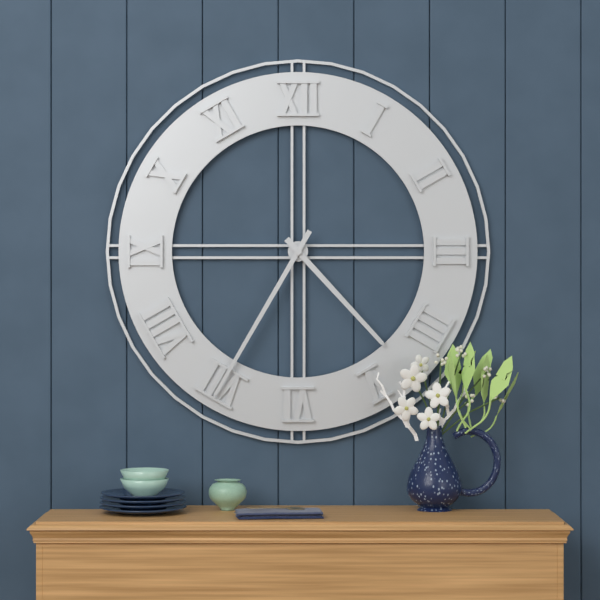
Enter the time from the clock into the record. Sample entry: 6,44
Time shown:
4,35
